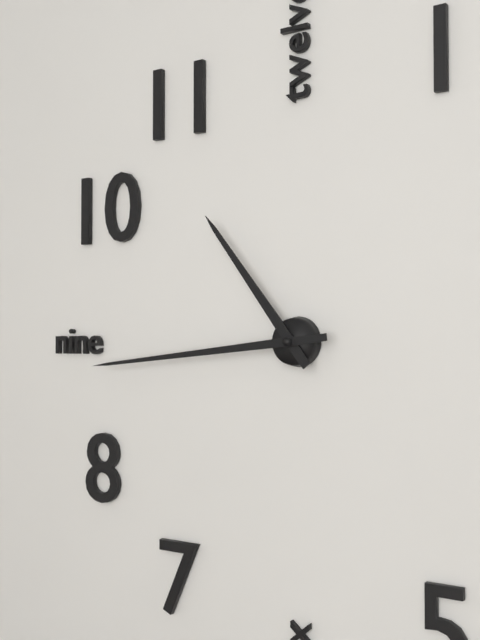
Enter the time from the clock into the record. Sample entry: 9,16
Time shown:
10,44
